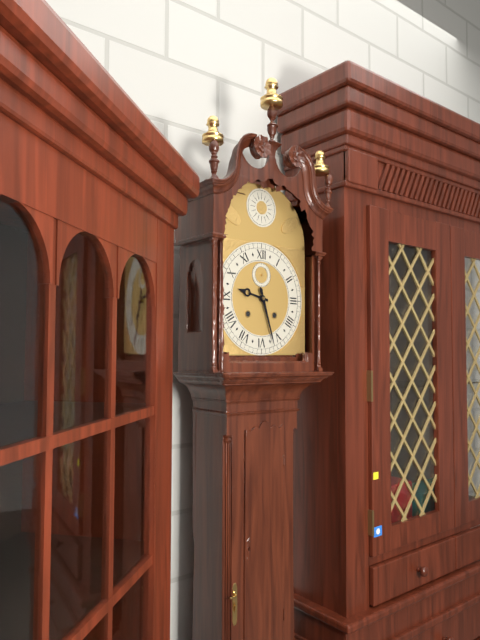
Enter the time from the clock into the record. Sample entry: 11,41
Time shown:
9,27
